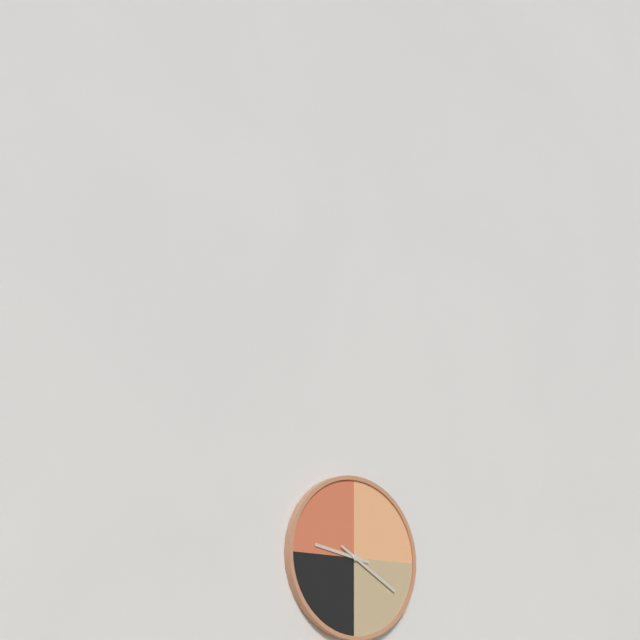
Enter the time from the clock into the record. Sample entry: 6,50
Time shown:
9,20
